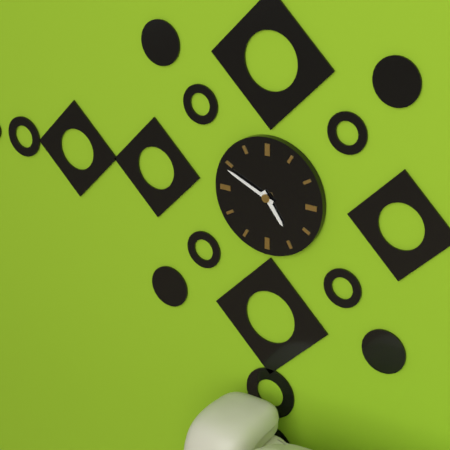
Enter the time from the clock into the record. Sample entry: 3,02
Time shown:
4,49
